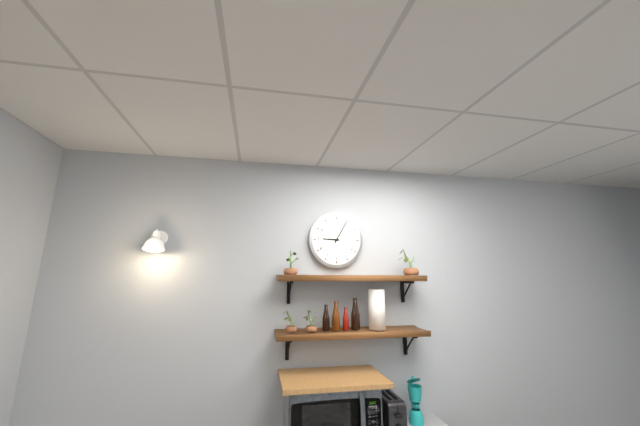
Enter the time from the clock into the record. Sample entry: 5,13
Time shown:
9,05
